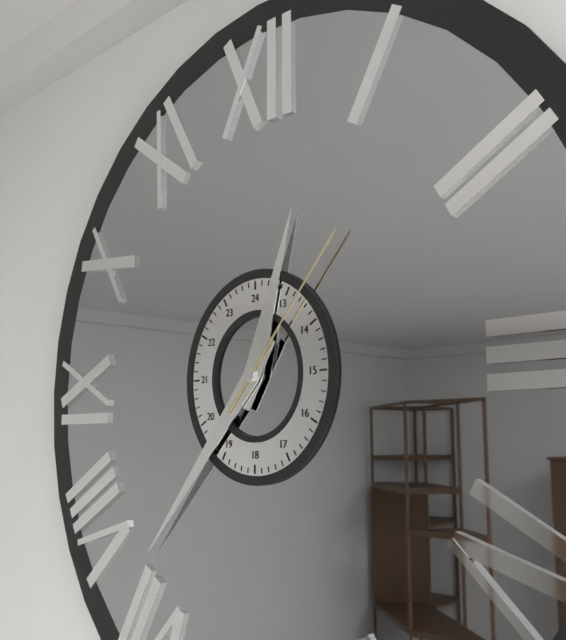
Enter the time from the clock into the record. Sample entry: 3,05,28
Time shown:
12,37,07
